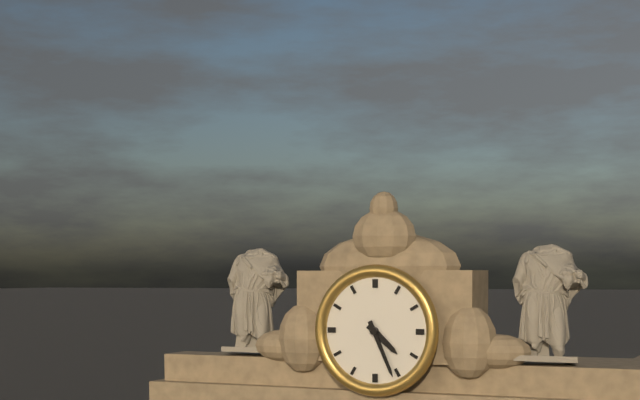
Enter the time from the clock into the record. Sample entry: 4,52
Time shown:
4,26
